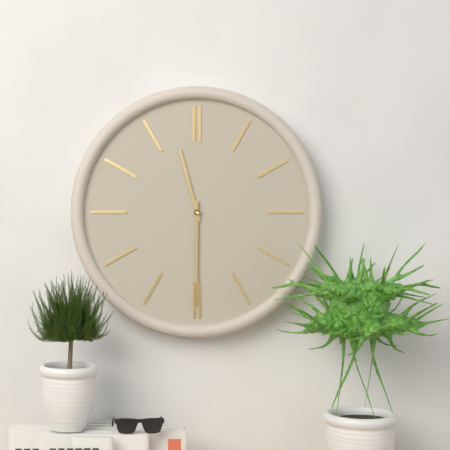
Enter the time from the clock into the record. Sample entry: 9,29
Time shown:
11,30
